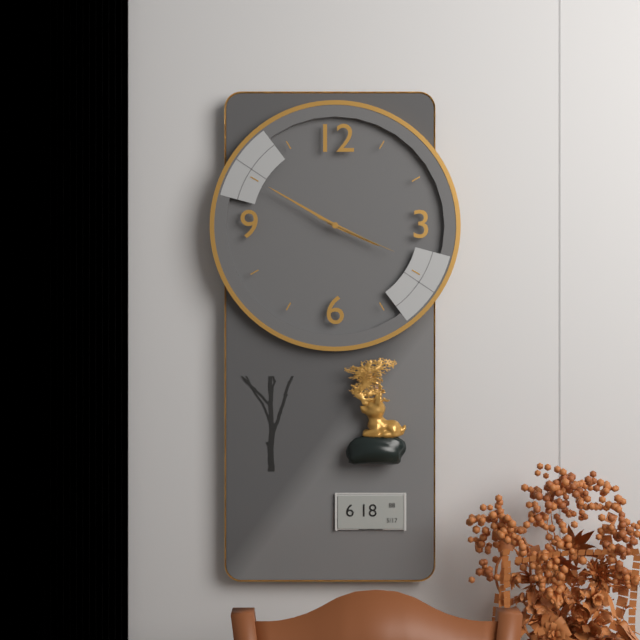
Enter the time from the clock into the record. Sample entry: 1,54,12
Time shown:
3,50,19
